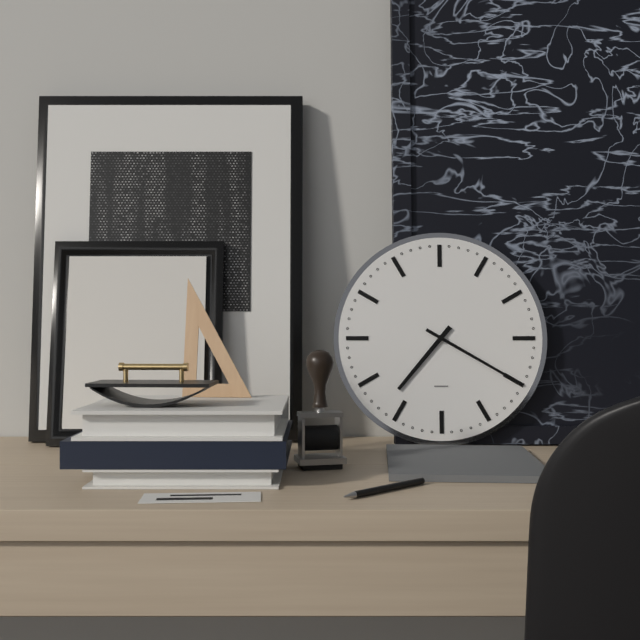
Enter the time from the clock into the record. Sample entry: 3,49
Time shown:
7,20
